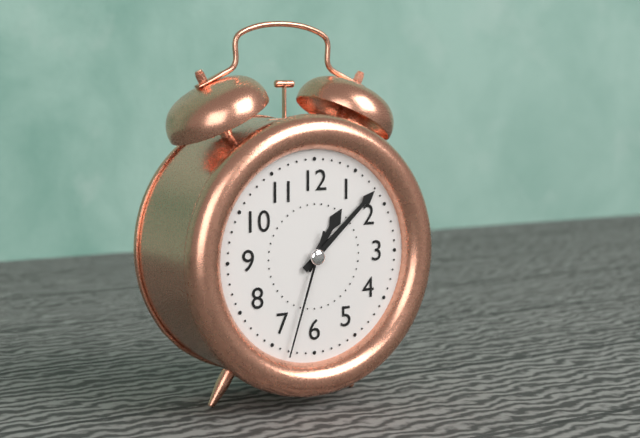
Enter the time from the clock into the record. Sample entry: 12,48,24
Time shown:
1,08,33
